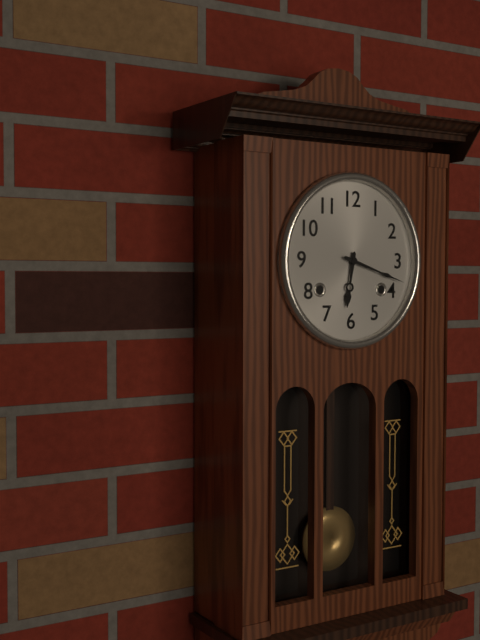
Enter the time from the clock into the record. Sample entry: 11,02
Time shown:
6,18
